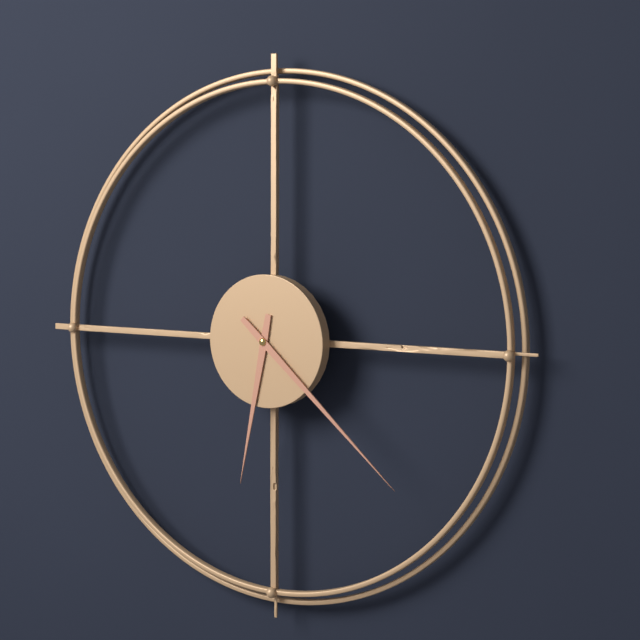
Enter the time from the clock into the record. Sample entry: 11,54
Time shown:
6,22
